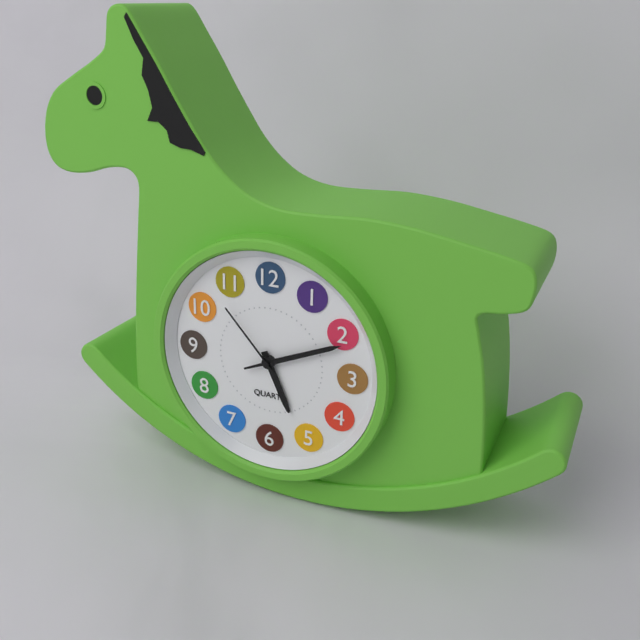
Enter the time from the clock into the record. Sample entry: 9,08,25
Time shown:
5,11,53
